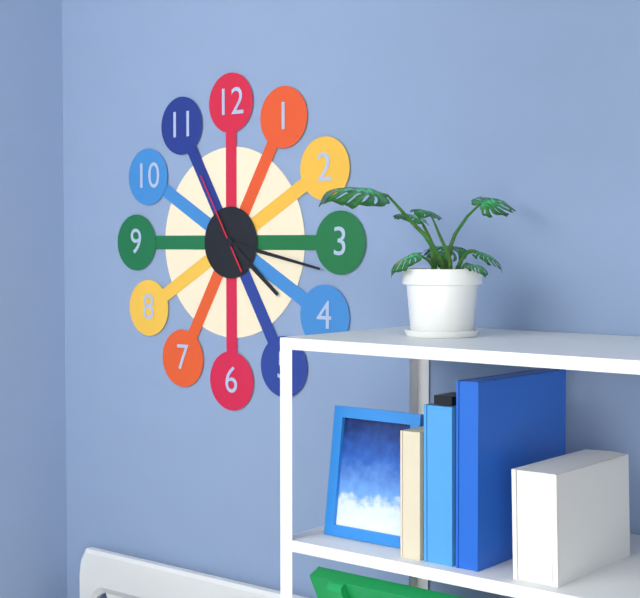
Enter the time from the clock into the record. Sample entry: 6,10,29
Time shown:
4,17,55
